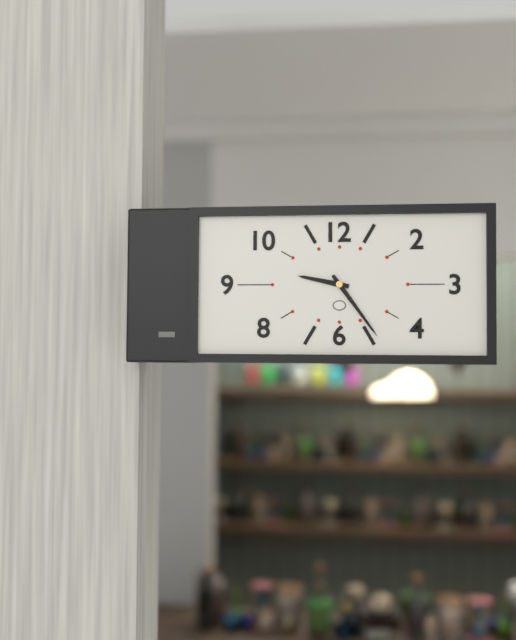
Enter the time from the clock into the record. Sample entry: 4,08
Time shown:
9,24
